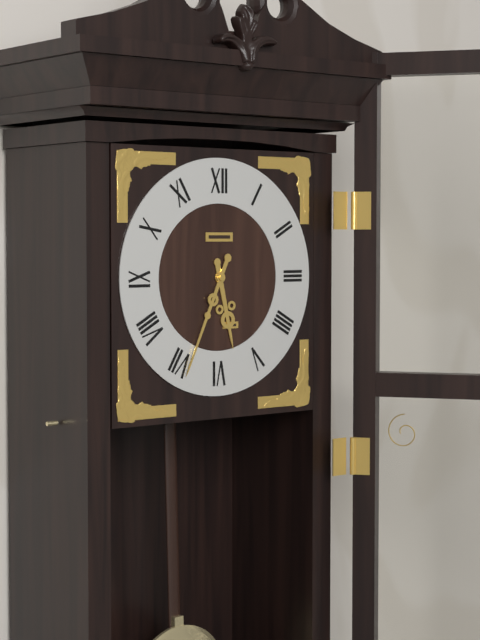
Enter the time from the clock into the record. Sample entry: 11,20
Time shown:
5,34
